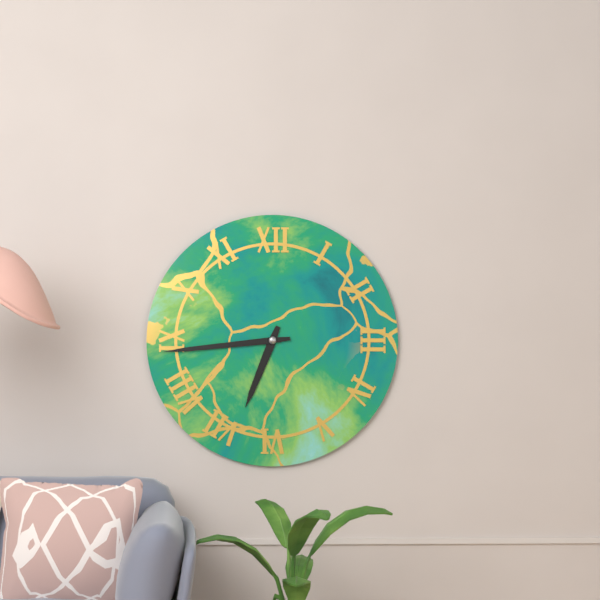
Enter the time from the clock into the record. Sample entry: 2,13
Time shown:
6,44
